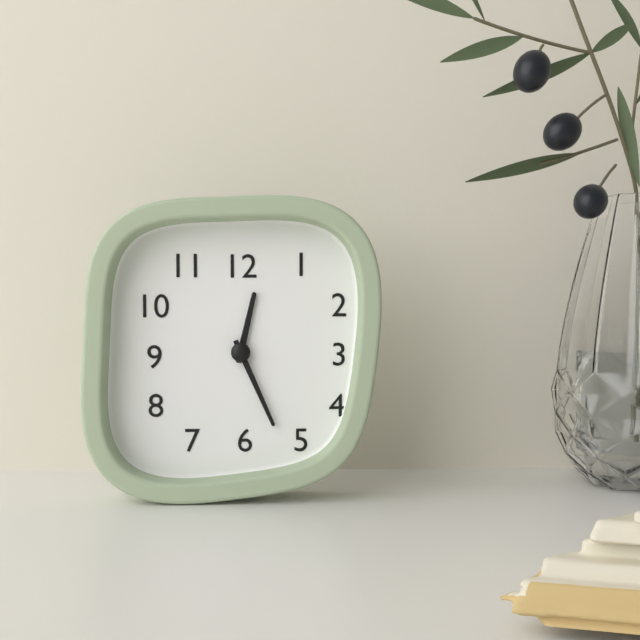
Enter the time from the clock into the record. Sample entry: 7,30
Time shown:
12,26
